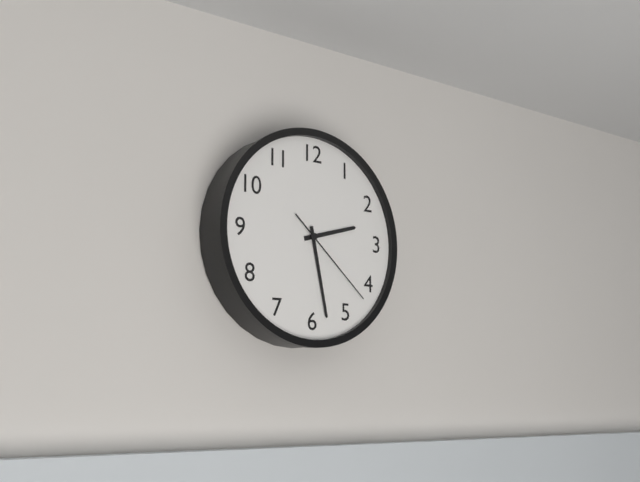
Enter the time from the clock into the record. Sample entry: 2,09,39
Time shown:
2,28,22
